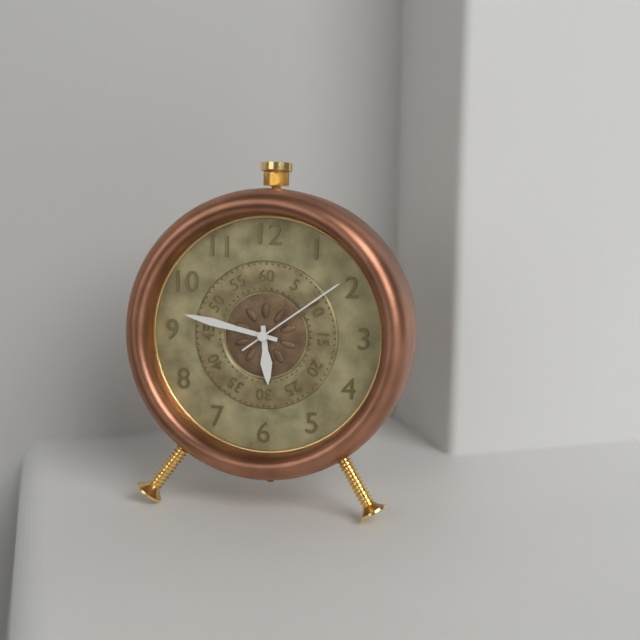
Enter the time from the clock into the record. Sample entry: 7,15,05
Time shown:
5,47,09
